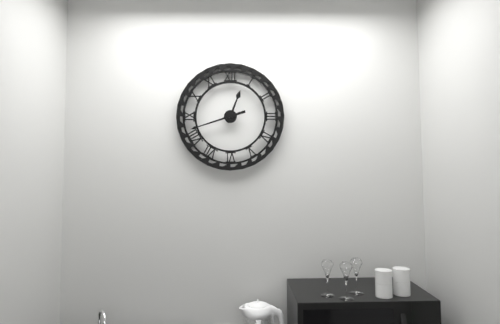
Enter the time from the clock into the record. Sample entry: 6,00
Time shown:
12,42
